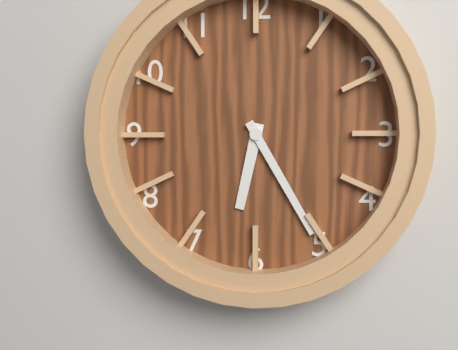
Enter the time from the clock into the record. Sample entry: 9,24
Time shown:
6,25
